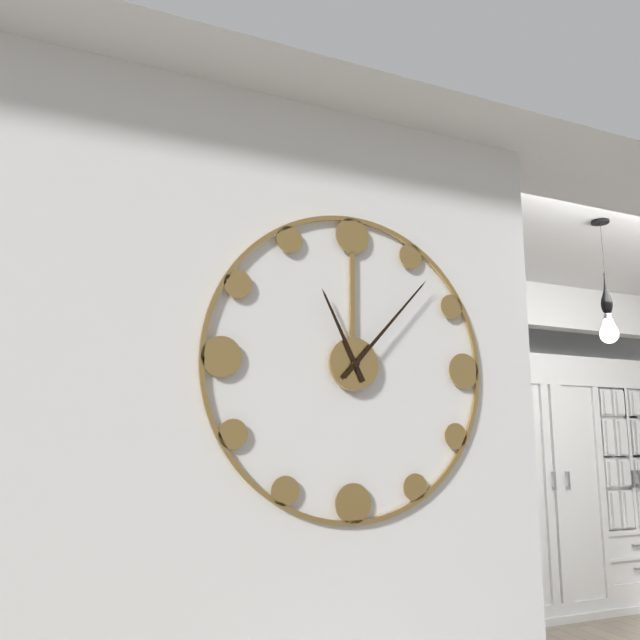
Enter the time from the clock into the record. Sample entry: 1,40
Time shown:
11,07
